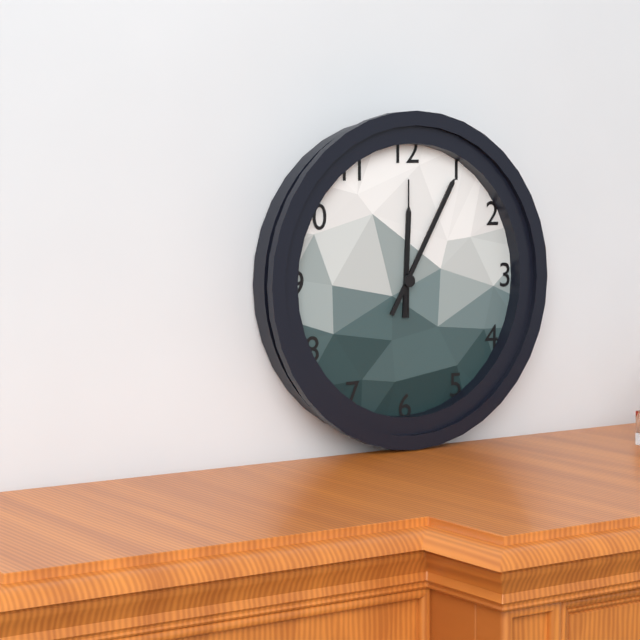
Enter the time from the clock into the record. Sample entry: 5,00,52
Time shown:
12,05,00
